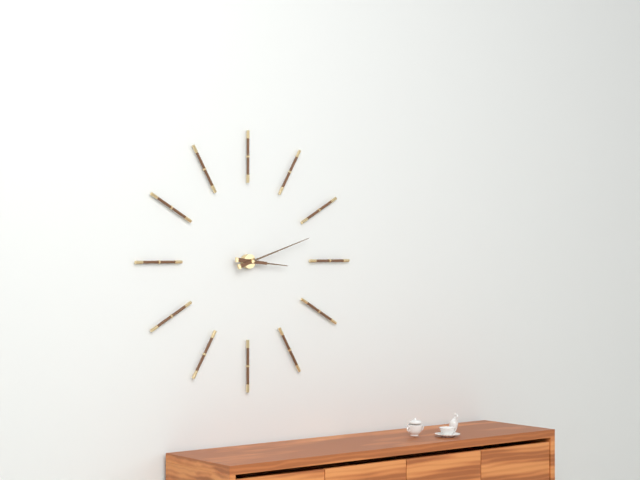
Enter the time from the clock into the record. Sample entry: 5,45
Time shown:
3,12
